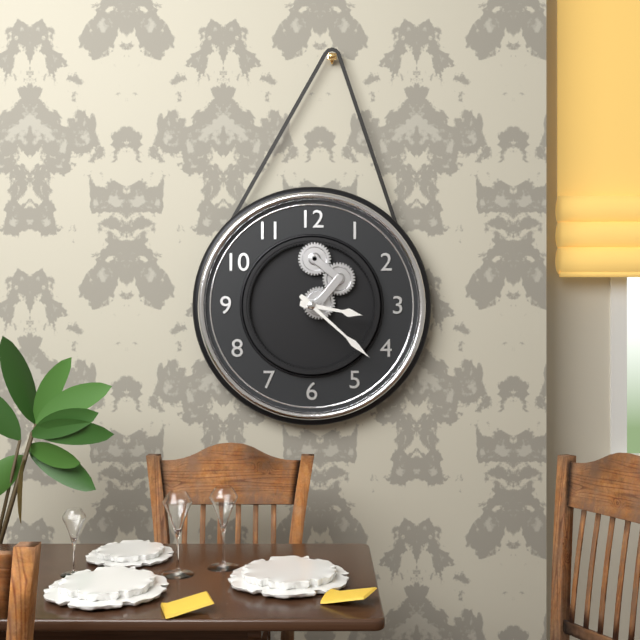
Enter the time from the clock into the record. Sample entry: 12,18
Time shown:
3,22
